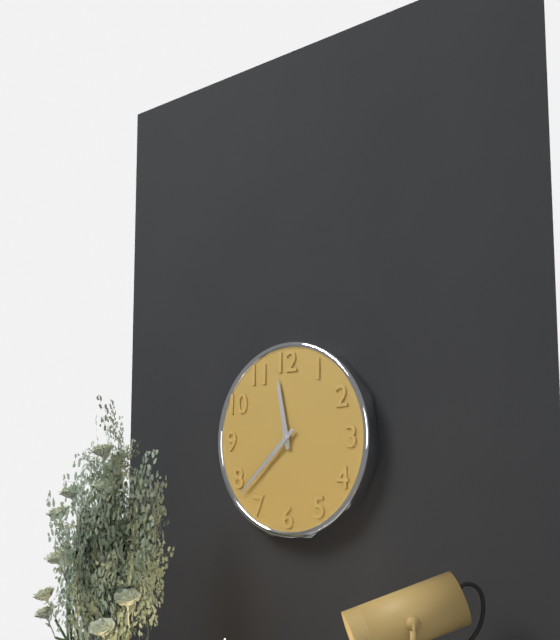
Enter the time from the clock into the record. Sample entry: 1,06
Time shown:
11,38
